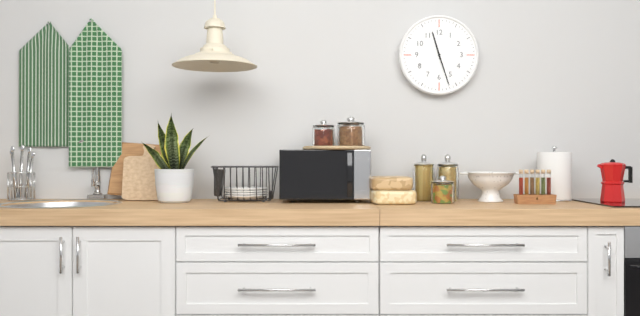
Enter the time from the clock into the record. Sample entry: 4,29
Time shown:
11,27
